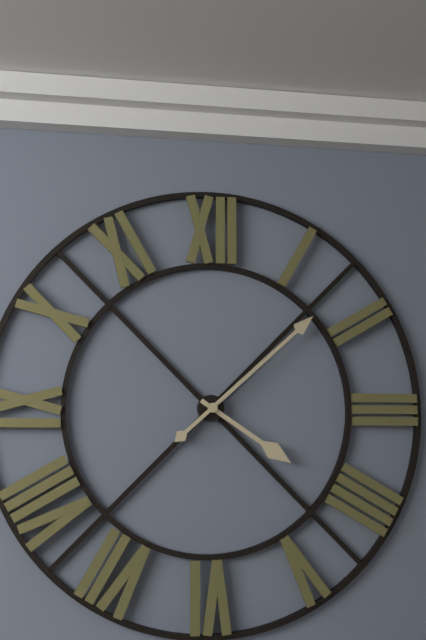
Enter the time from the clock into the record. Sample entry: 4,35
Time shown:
4,08
